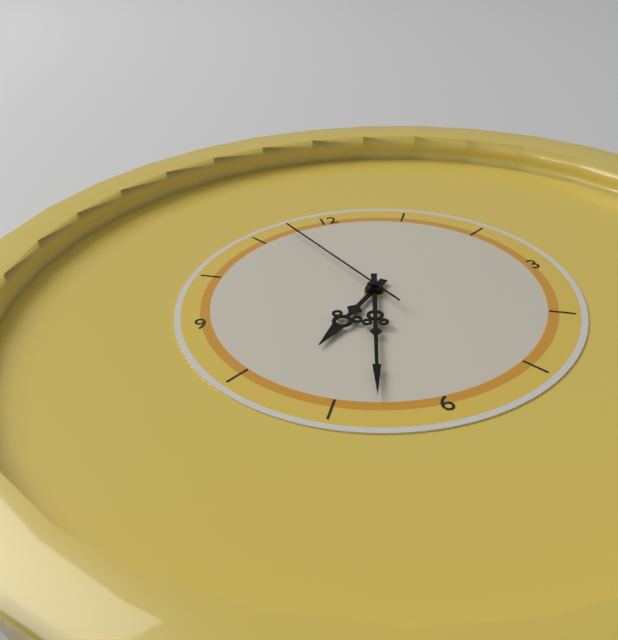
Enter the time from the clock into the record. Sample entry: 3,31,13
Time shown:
7,33,57
